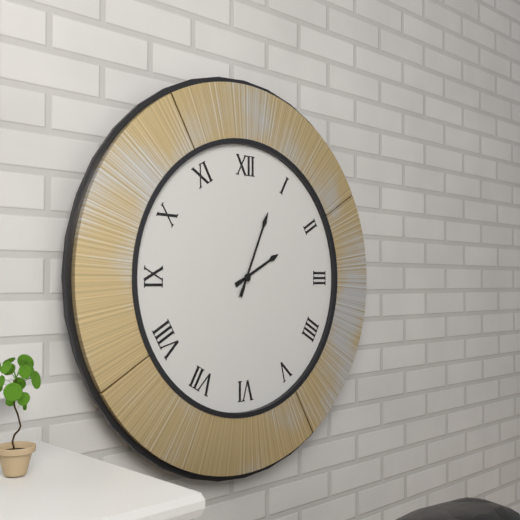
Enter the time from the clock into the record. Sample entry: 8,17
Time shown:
2,04
